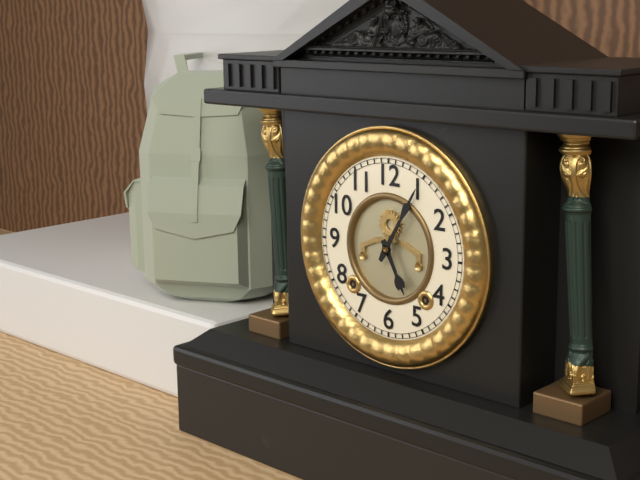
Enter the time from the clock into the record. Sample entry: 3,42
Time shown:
5,05
